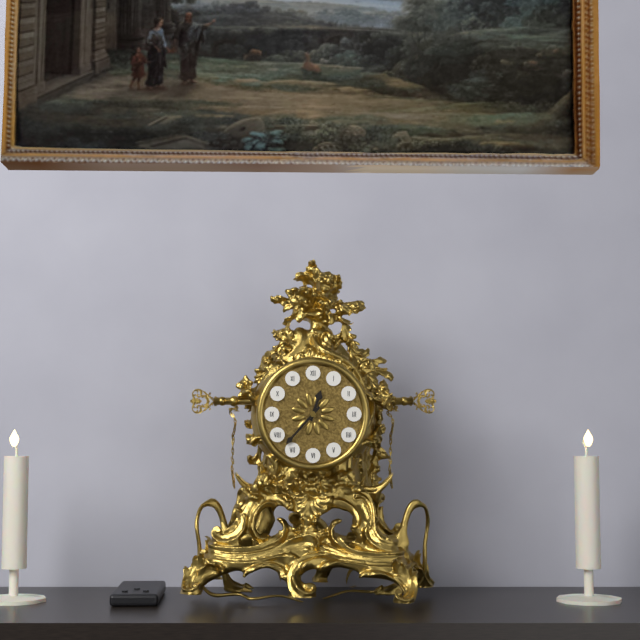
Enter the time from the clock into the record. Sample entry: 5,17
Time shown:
12,37
